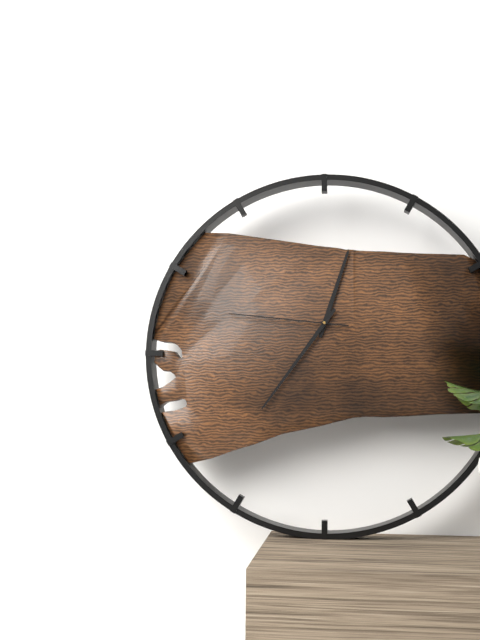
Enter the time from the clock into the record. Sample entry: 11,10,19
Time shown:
12,36,46
